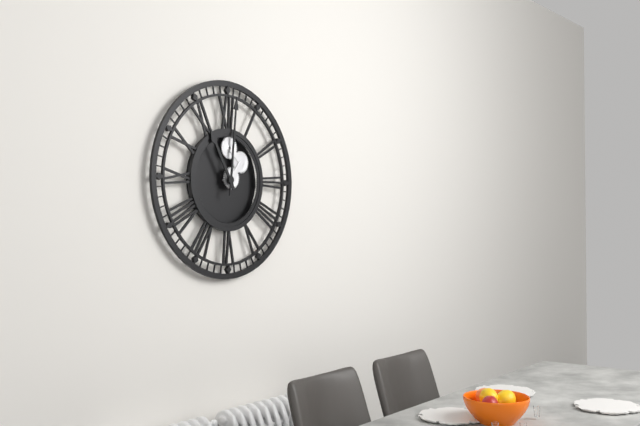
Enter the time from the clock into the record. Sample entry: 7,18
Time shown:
11,01
